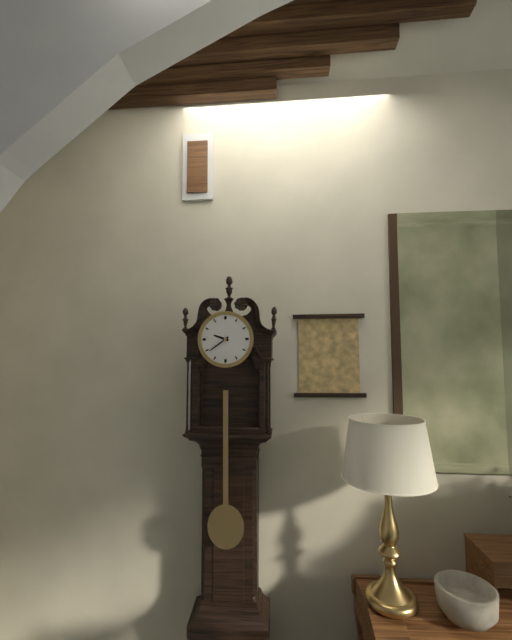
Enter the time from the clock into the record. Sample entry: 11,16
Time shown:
9,39
